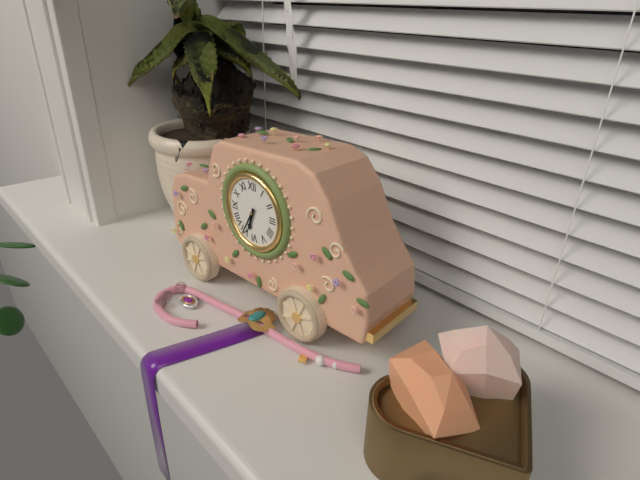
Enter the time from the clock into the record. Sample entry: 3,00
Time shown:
6,35
